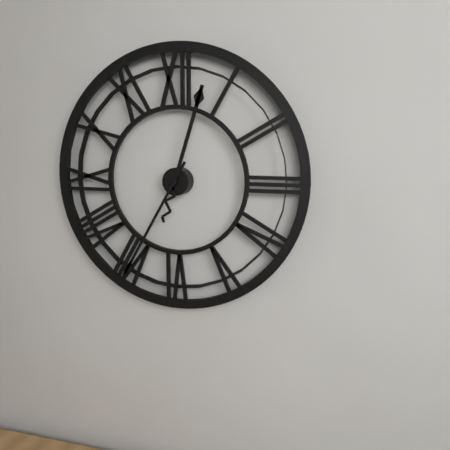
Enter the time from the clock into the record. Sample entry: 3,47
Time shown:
12,35
